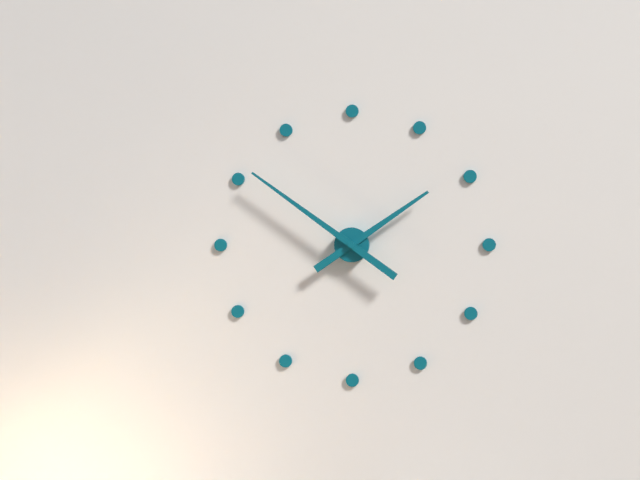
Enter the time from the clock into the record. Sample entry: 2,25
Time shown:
1,51
